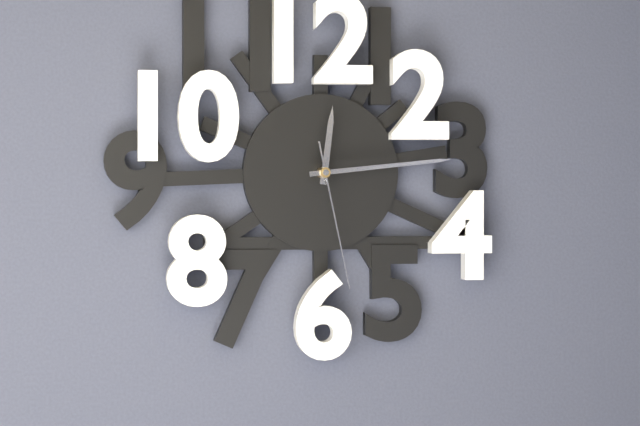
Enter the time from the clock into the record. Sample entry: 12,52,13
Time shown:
12,14,28
